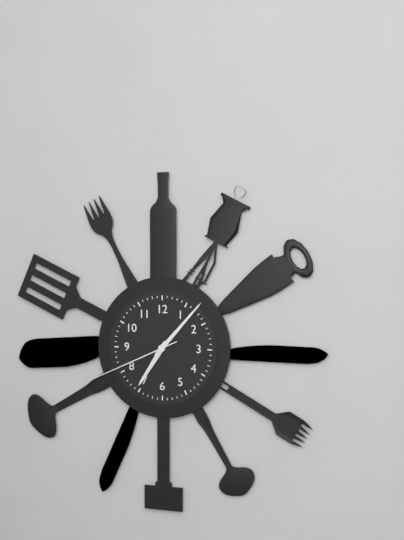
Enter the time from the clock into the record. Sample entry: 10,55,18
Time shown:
7,07,41
